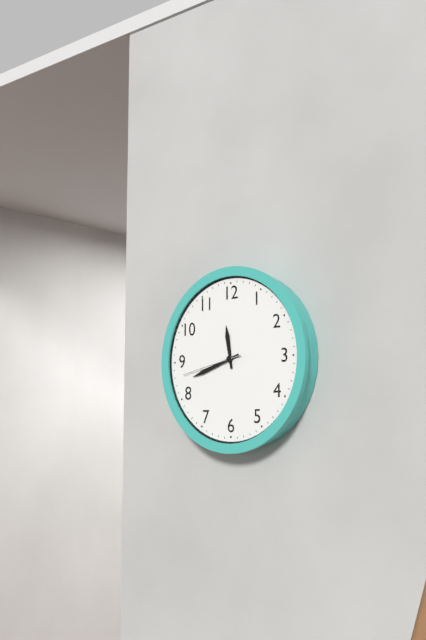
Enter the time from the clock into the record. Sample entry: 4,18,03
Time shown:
11,42,43
